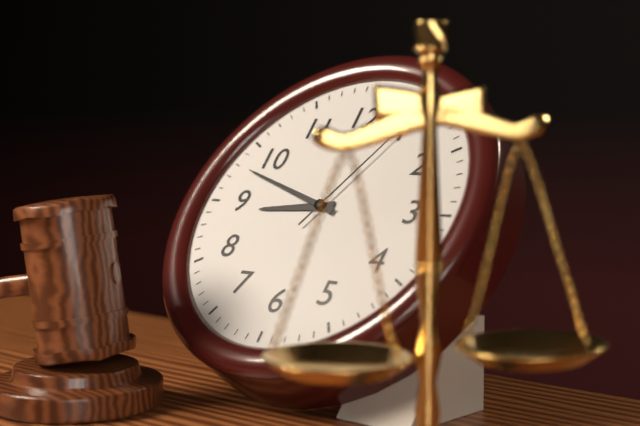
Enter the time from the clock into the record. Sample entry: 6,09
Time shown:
8,48
